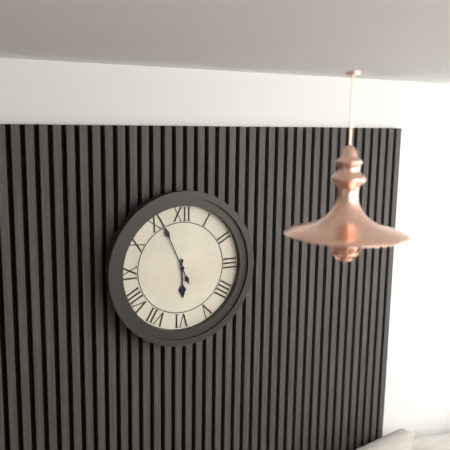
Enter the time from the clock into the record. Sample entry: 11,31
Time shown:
5,56
